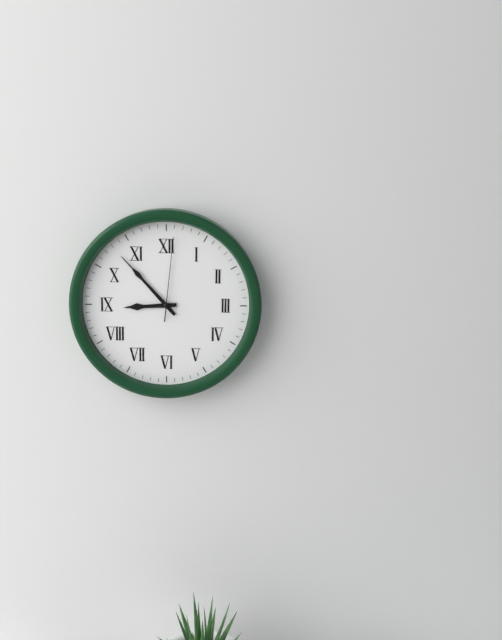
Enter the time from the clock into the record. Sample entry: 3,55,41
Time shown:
8,53,01
